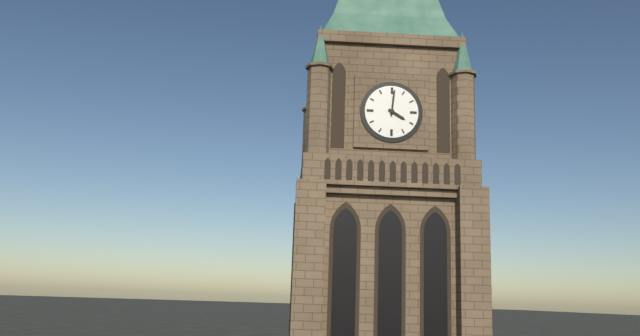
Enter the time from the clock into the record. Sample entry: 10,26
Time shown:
4,01
